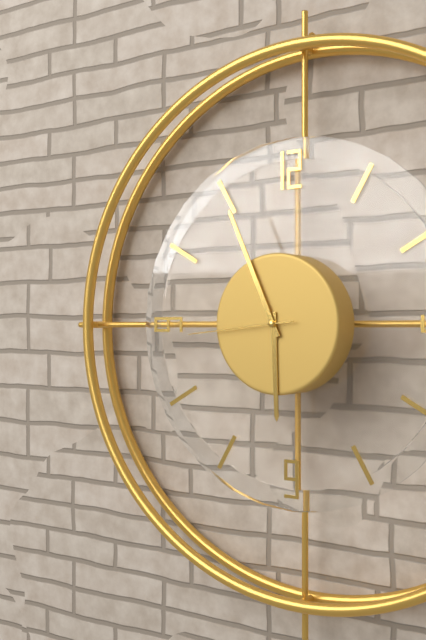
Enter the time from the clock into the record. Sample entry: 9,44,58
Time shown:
5,56,44
